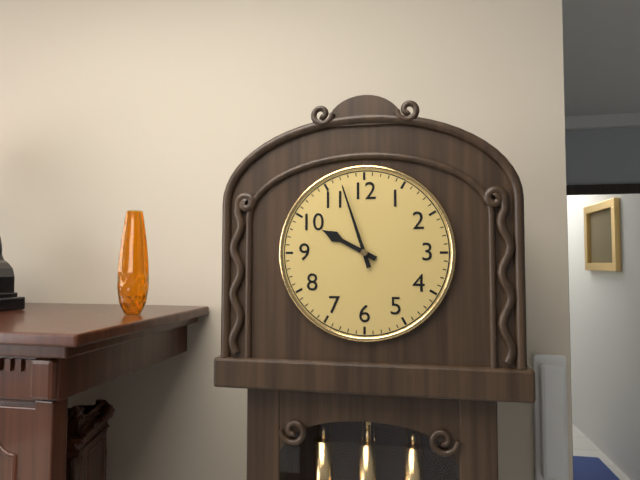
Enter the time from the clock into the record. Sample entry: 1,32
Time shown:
9,57
